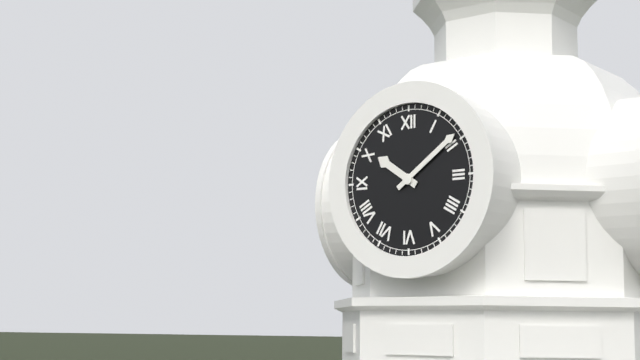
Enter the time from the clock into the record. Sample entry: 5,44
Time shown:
10,09
